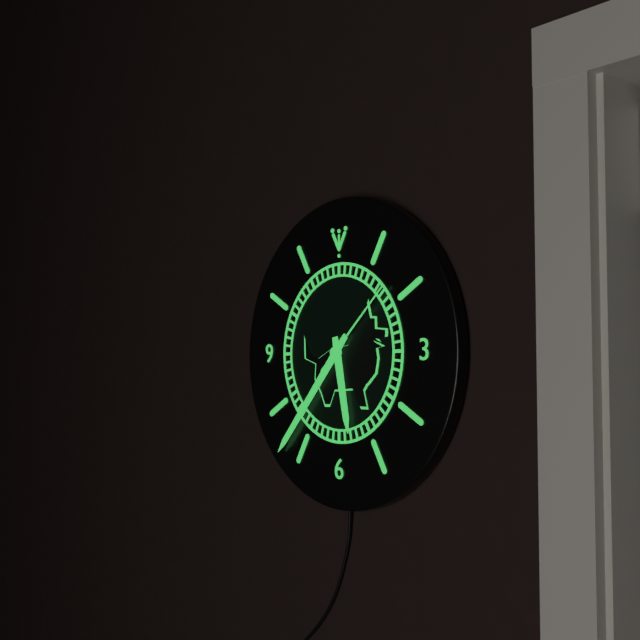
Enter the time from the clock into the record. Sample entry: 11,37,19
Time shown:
5,37,08
